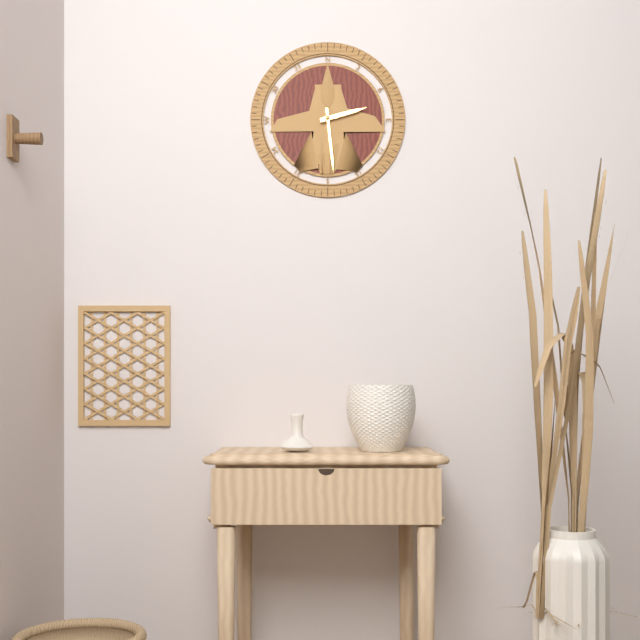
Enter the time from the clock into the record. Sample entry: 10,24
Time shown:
2,29
